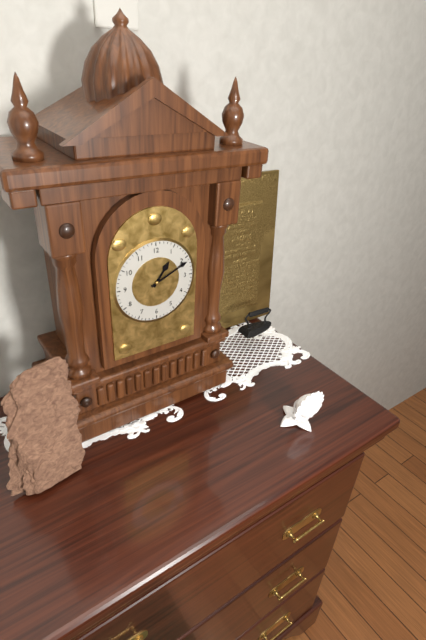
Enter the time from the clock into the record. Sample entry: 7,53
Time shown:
1,11
